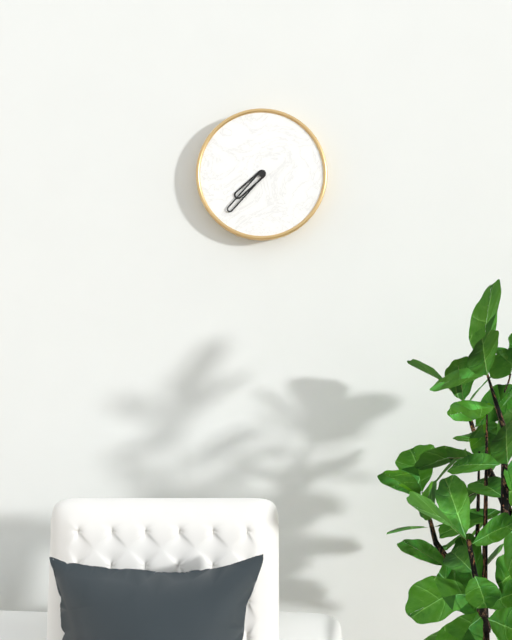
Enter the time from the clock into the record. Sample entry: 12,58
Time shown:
7,37
